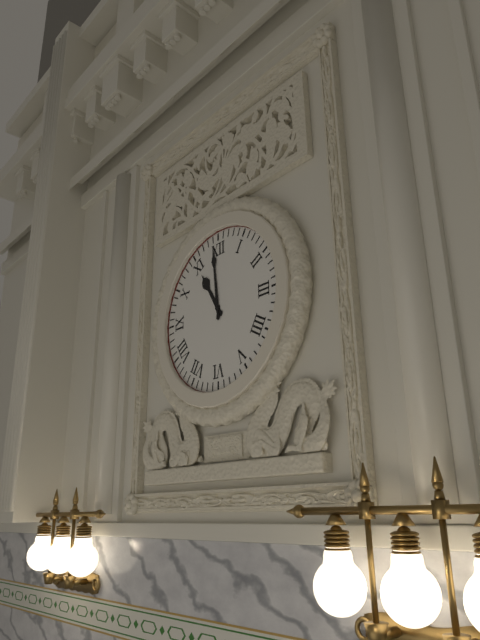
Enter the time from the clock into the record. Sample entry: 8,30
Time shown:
10,59
